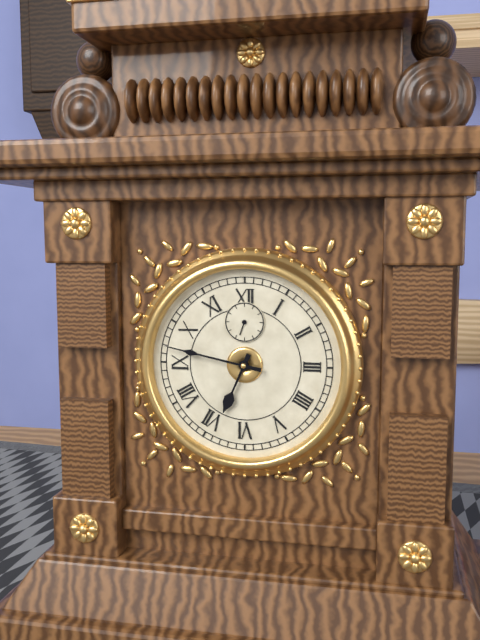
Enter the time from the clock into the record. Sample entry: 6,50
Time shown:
6,47
